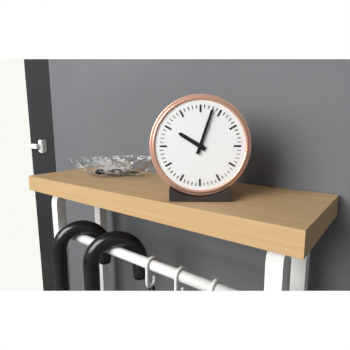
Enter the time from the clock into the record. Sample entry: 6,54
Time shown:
10,03
